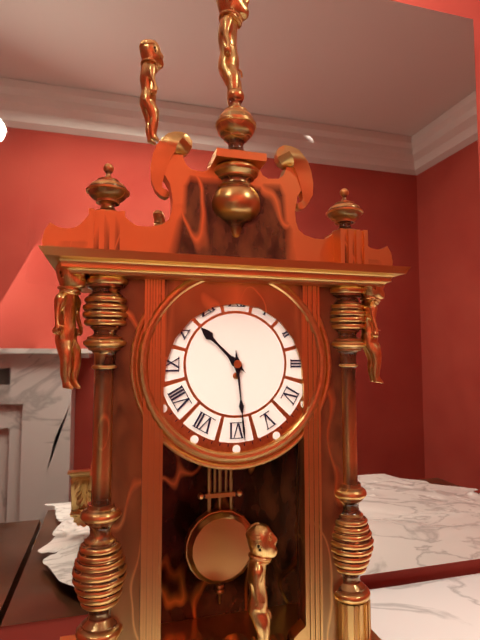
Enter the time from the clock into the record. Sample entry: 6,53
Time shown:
10,29
